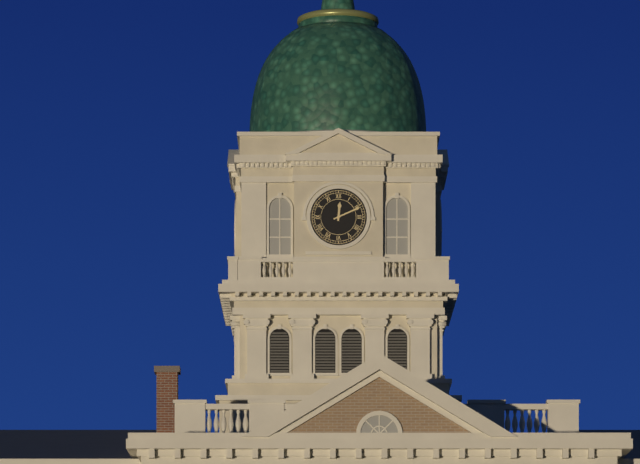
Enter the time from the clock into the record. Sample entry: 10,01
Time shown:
12,11
